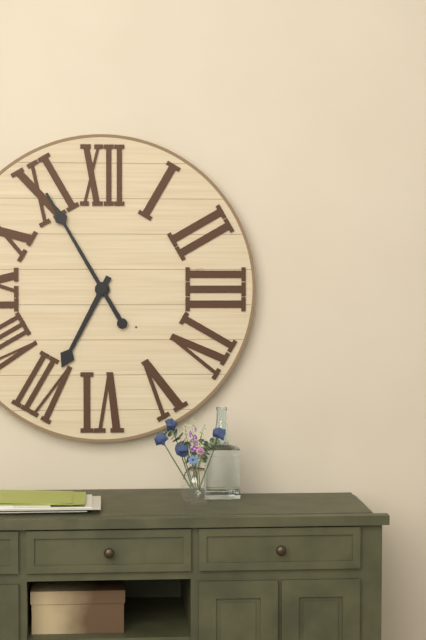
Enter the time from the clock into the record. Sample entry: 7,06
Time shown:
6,55
